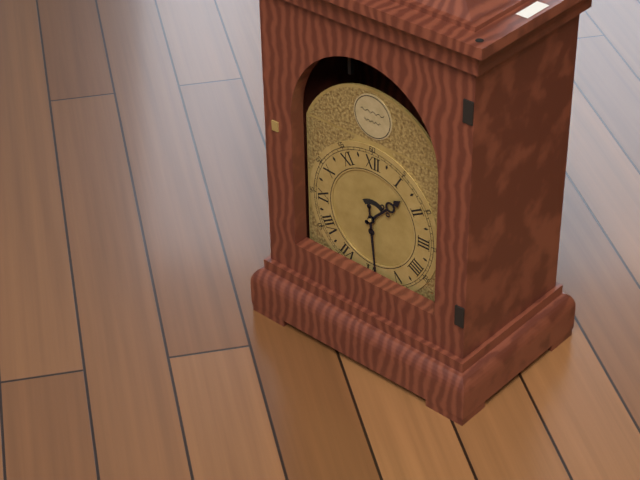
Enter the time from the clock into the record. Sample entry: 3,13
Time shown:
1,29
